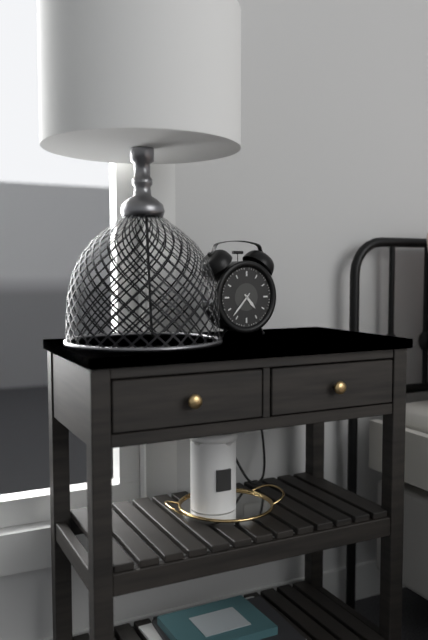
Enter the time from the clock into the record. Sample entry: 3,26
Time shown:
4,37
